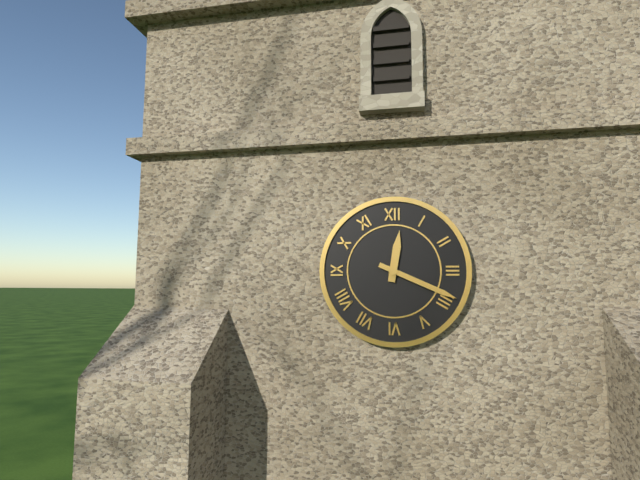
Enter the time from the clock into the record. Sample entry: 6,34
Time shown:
12,19
